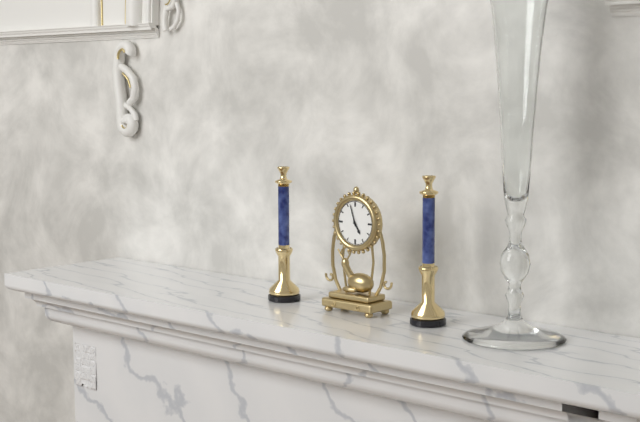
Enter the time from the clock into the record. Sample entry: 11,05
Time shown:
4,57
